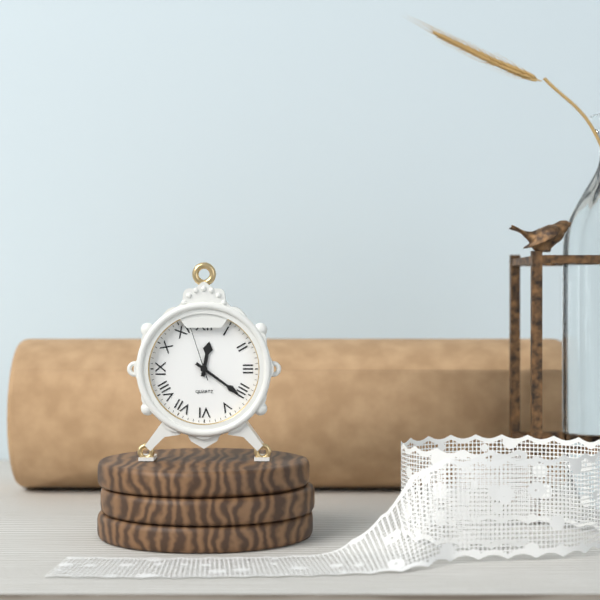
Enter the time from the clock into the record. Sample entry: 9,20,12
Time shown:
12,21,57
